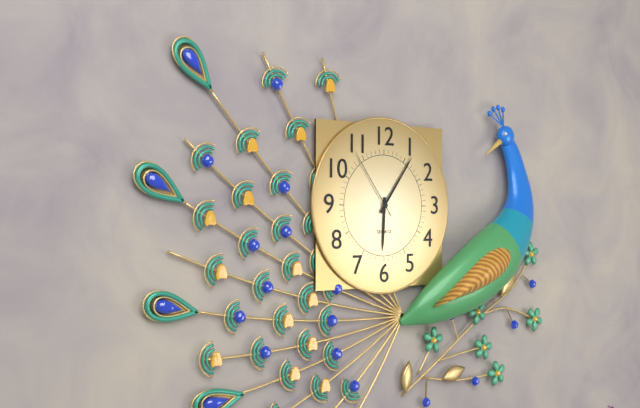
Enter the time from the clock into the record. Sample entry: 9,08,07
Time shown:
6,06,54
